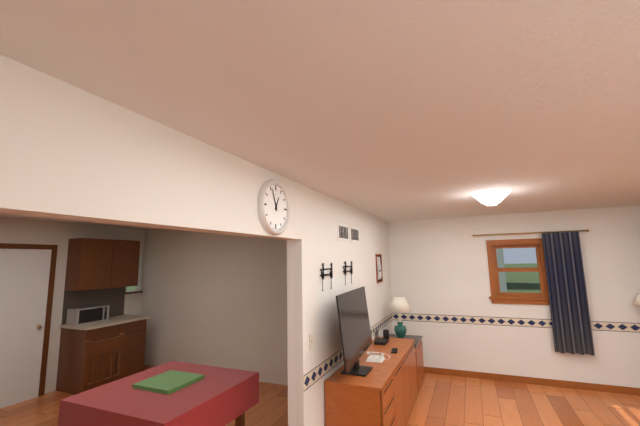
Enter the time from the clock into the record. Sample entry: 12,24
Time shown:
12,56
